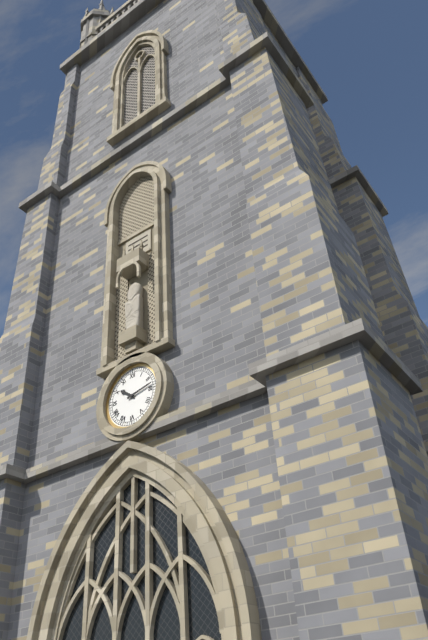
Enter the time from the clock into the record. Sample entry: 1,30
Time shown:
10,13
